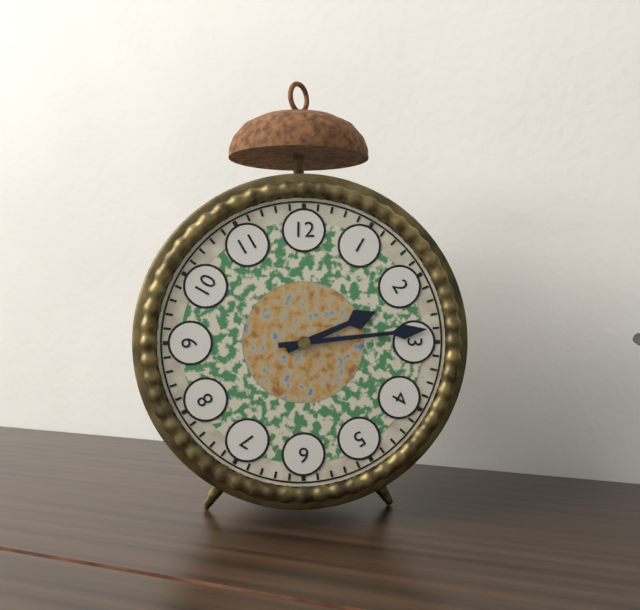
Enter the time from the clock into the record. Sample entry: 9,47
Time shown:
2,14
